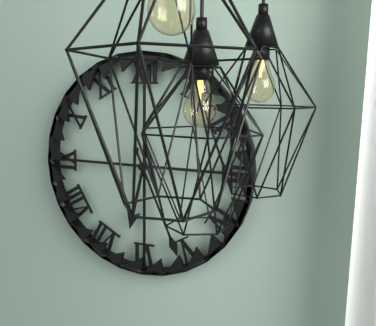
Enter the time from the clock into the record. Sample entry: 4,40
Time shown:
6,26
